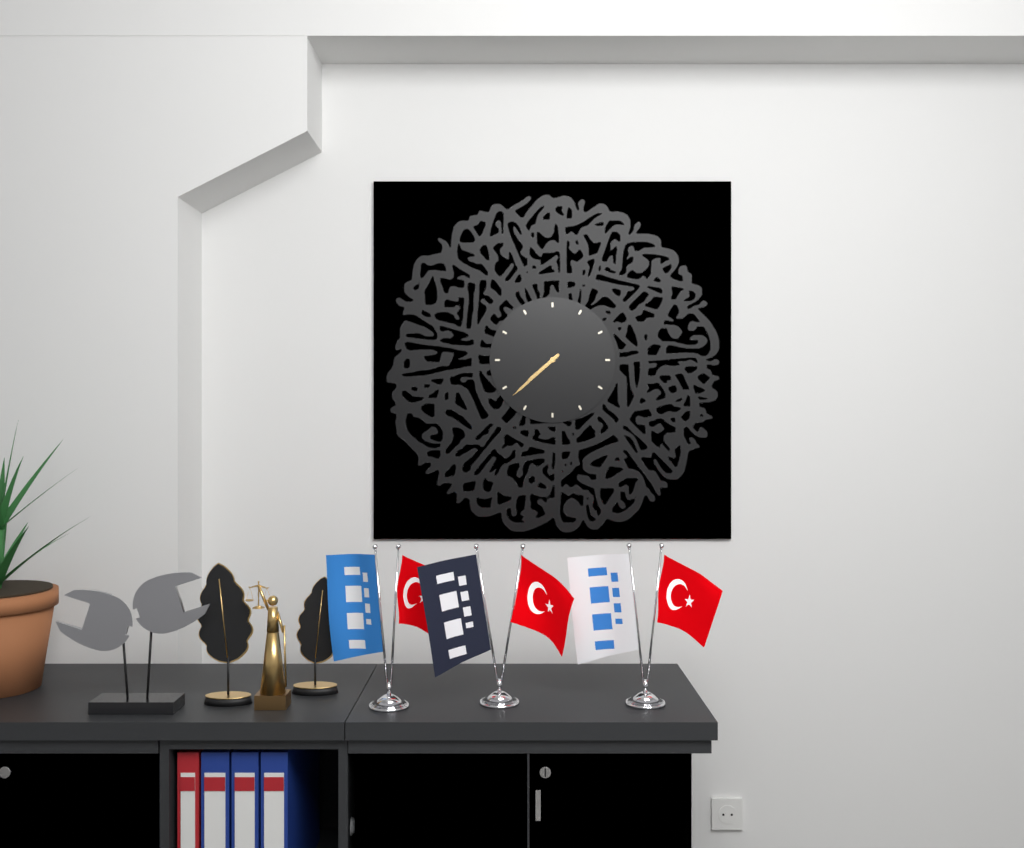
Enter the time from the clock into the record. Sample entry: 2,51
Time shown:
7,38
